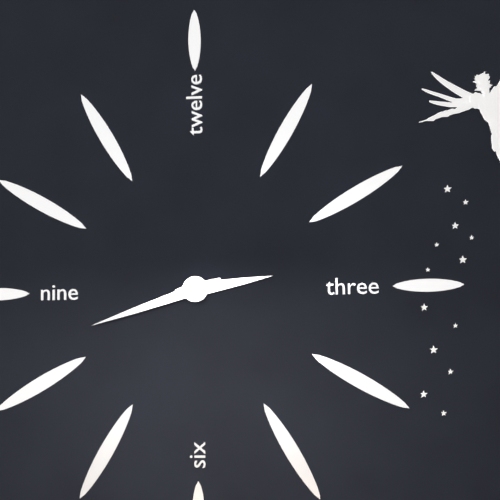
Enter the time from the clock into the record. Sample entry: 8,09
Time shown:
2,42
